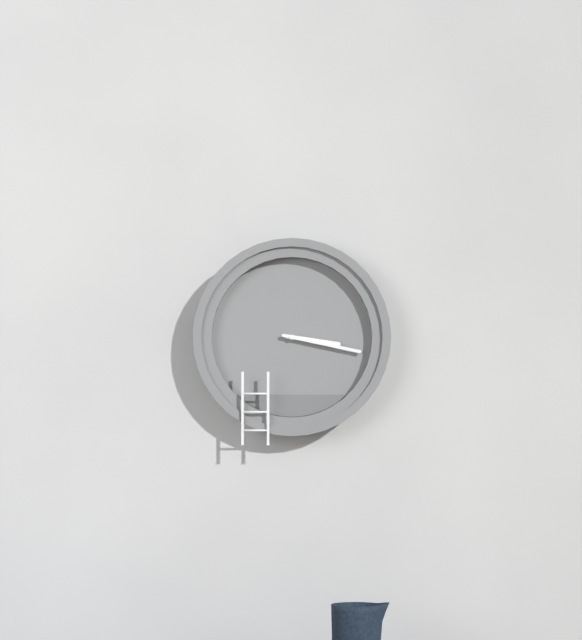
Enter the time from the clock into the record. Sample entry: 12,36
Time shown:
3,17
